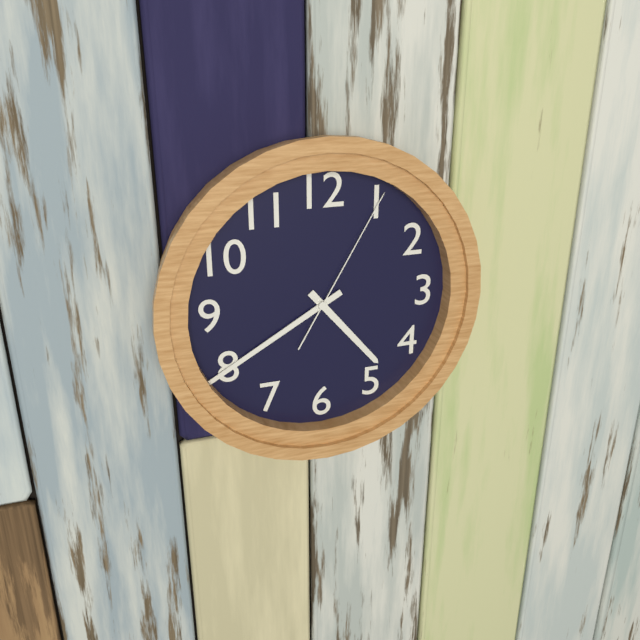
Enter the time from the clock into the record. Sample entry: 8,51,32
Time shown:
4,40,05
